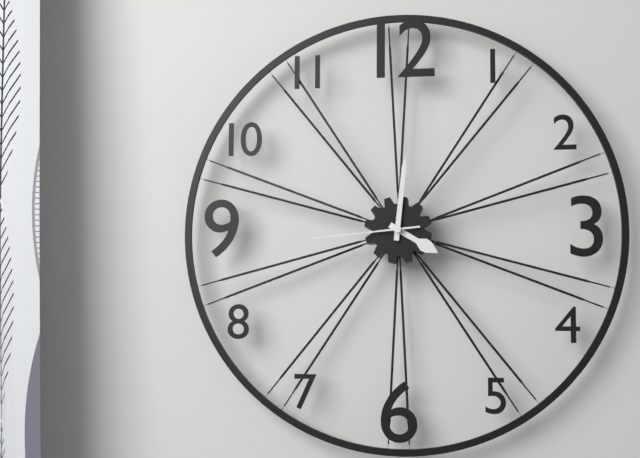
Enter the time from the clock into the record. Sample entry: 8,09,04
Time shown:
4,01,44
